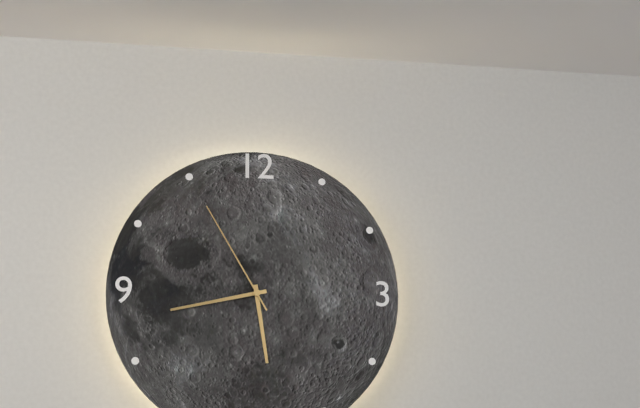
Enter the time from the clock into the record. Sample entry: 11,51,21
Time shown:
5,43,55
